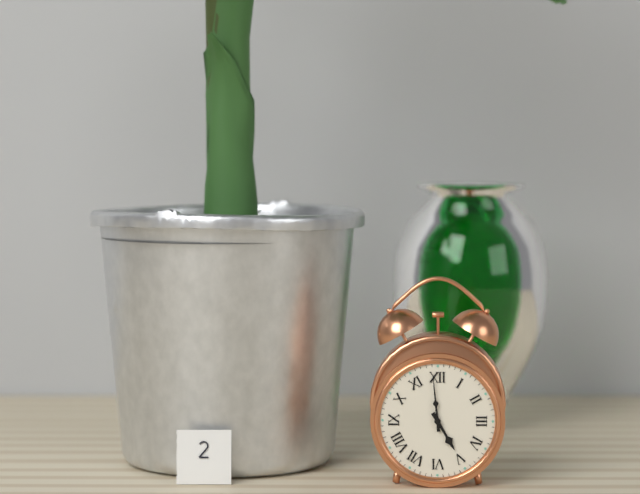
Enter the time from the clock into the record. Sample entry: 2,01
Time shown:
4,59
